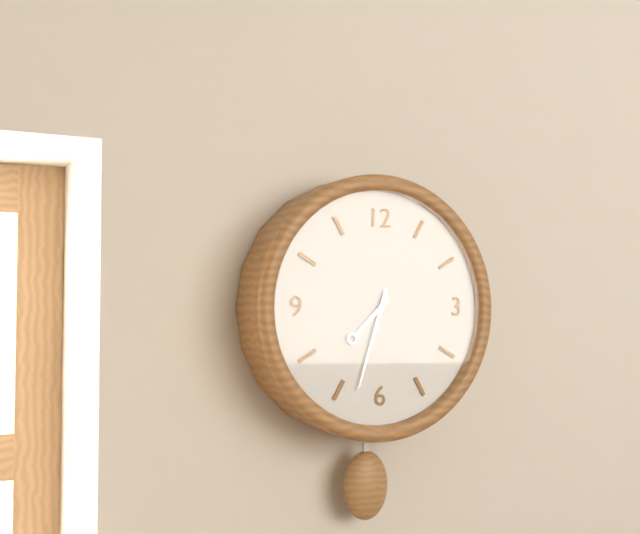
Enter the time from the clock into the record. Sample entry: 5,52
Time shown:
7,33
